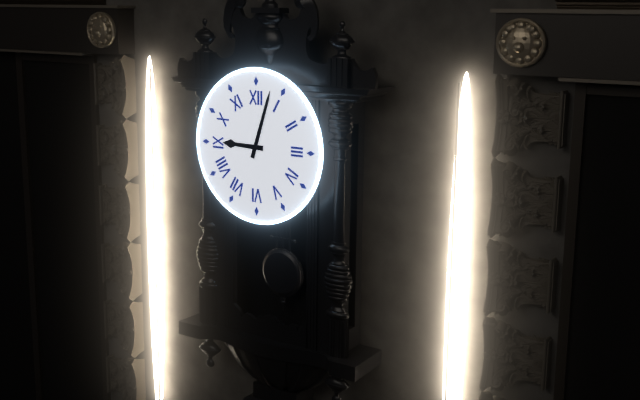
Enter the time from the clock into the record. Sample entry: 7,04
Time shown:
9,03
